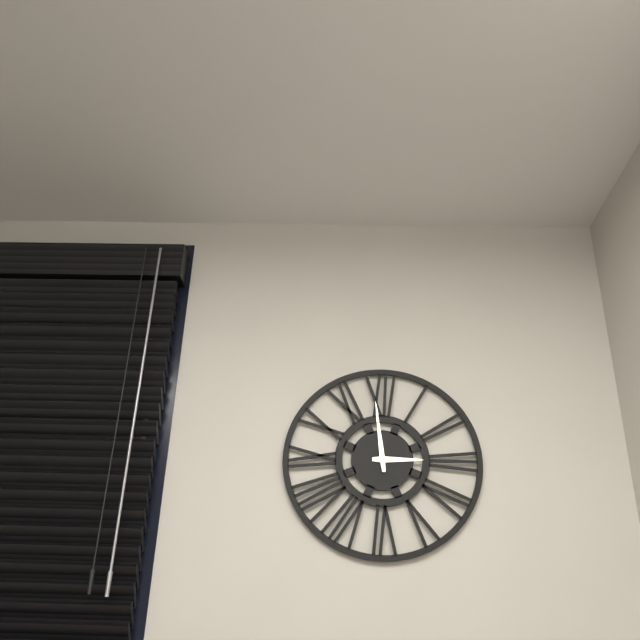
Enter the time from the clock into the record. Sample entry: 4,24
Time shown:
2,59
